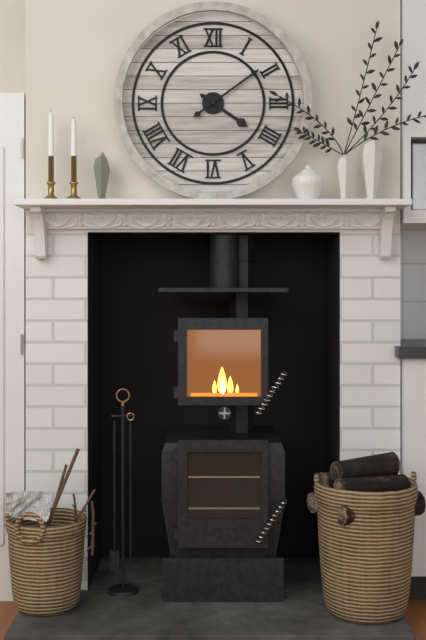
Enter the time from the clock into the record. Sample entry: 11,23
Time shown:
4,09
